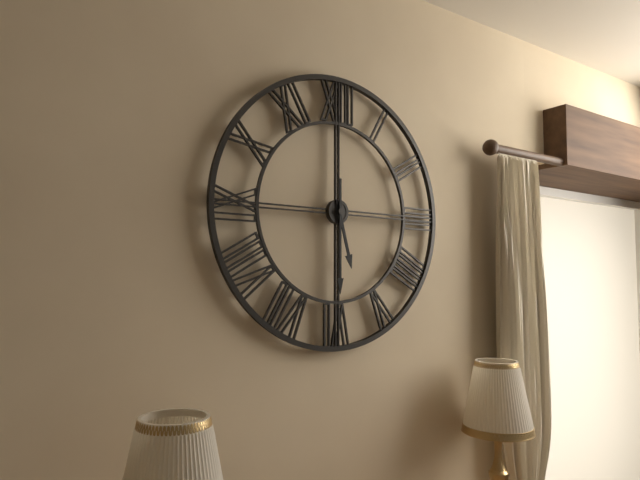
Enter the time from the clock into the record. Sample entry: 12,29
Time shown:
5,30
